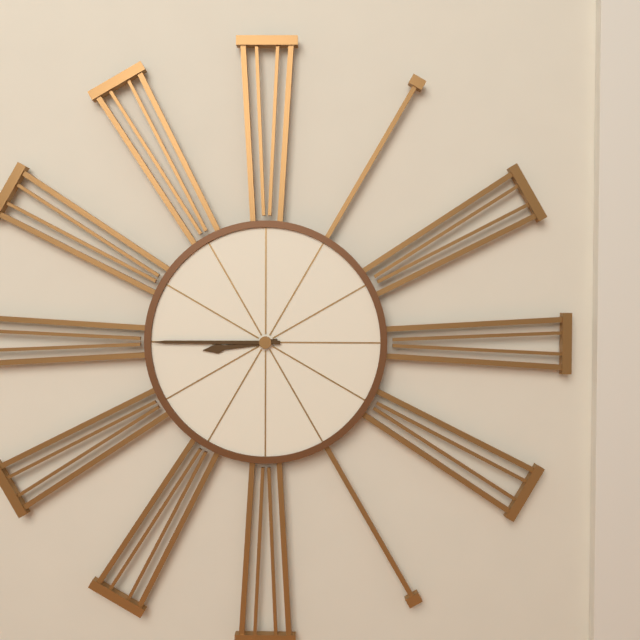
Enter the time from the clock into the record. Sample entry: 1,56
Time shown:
8,45
